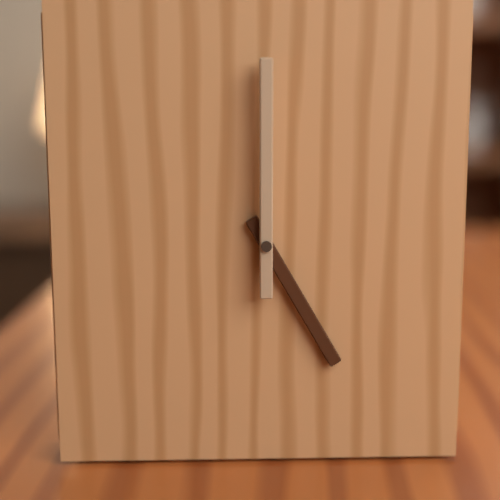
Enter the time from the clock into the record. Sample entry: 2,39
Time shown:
5,00
